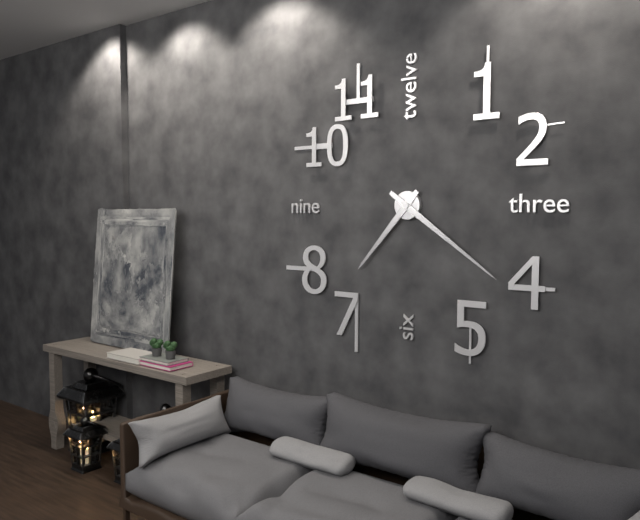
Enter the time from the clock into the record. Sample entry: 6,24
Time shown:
7,21
